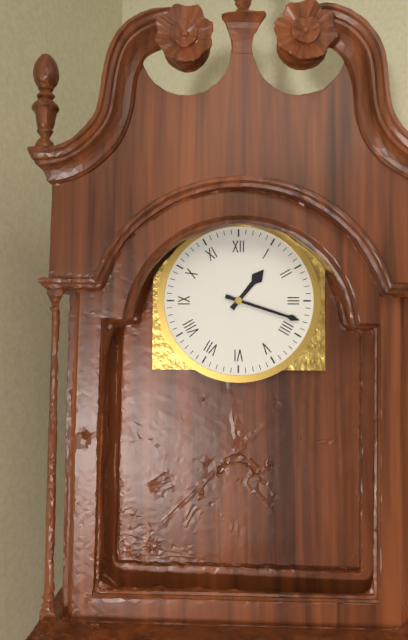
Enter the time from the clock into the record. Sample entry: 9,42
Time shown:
1,18
